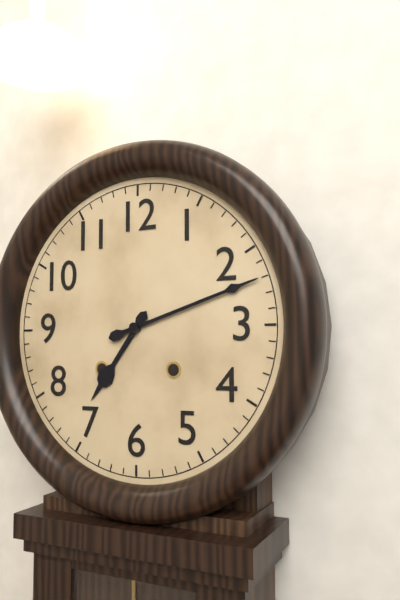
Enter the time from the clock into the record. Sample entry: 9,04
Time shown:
7,12
